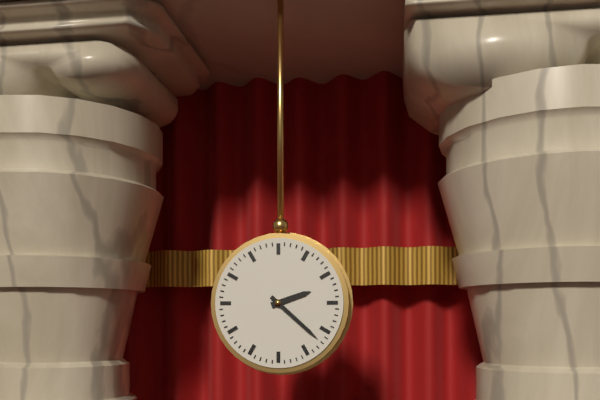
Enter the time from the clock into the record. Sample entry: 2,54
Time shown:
2,22
